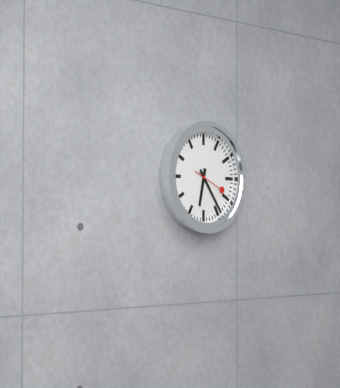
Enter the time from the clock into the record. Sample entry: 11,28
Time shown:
6,24
